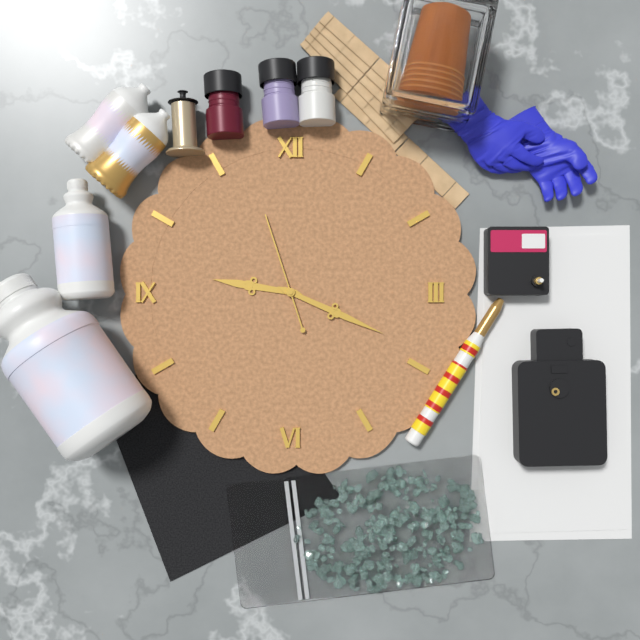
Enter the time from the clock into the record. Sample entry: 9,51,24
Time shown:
9,19,57
